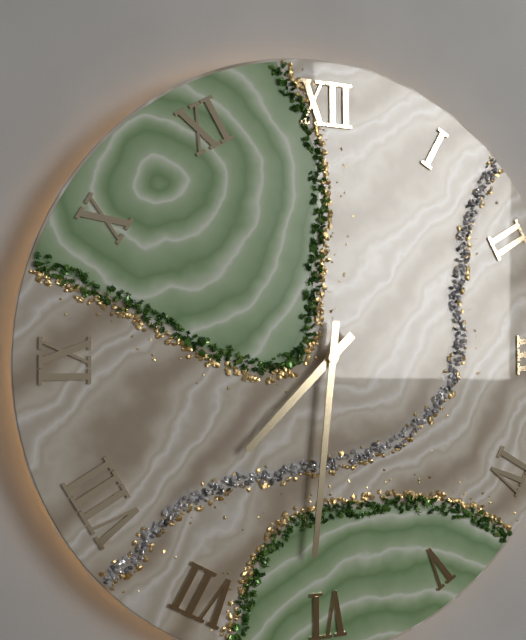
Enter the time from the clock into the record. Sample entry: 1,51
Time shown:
7,31
